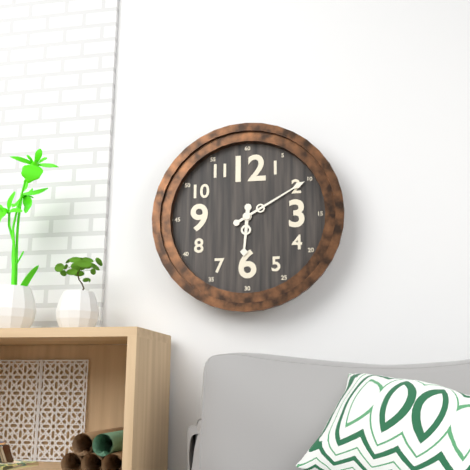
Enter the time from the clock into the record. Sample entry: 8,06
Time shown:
6,10
